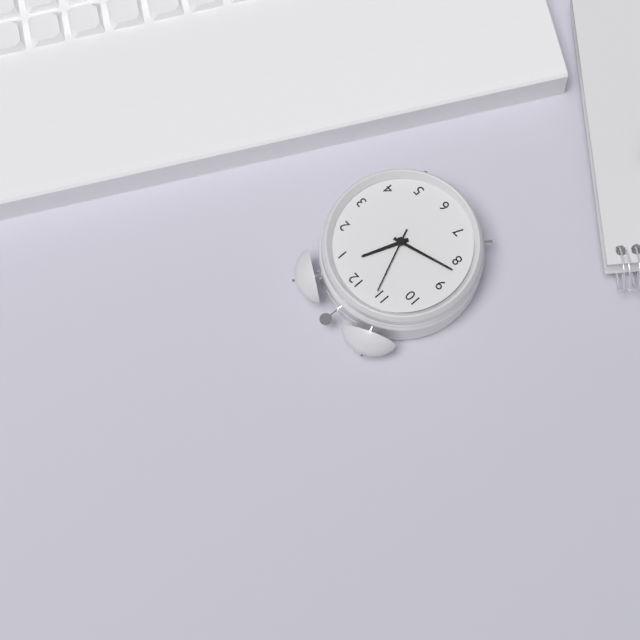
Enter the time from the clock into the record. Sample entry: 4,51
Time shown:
12,42
